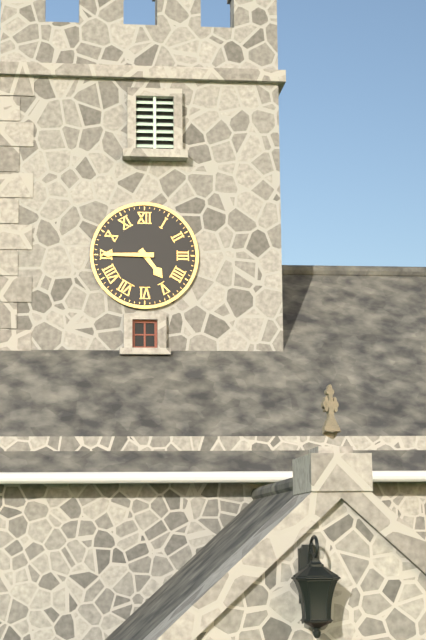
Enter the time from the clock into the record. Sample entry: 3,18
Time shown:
4,45
